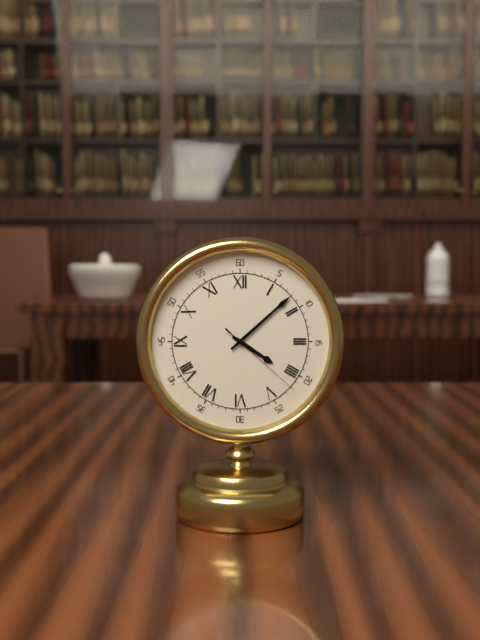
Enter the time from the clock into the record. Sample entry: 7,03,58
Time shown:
4,08,22
